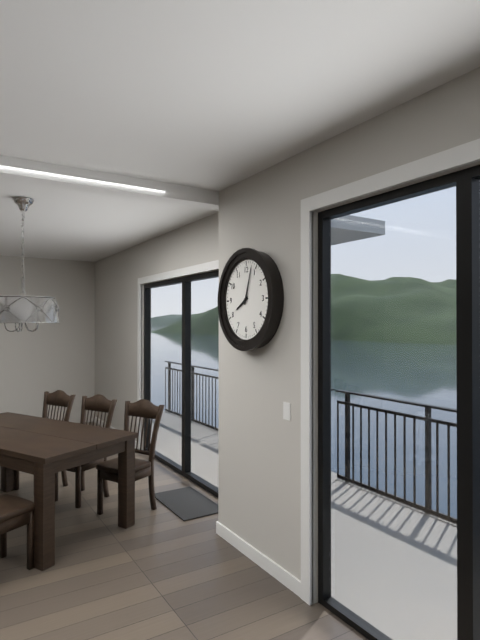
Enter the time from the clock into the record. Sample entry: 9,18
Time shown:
8,03
